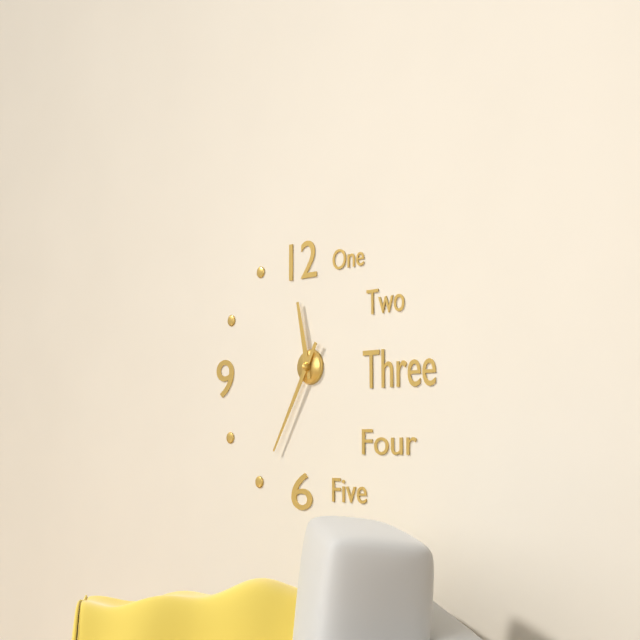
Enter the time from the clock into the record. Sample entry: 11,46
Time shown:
11,35
